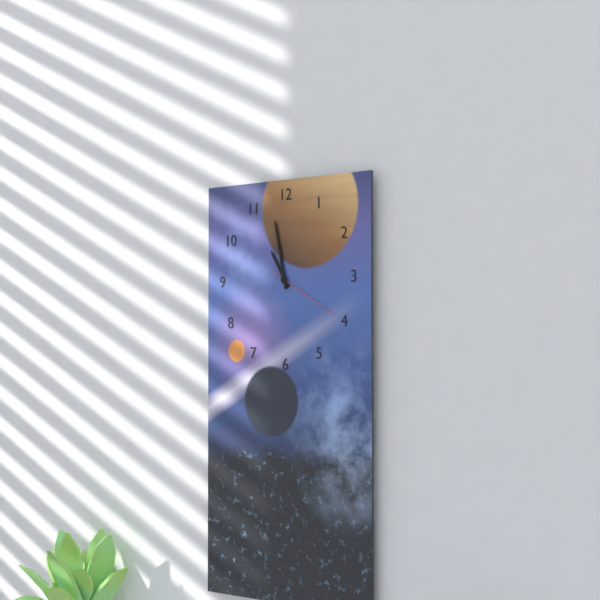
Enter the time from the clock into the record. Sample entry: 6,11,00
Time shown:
10,58,20
